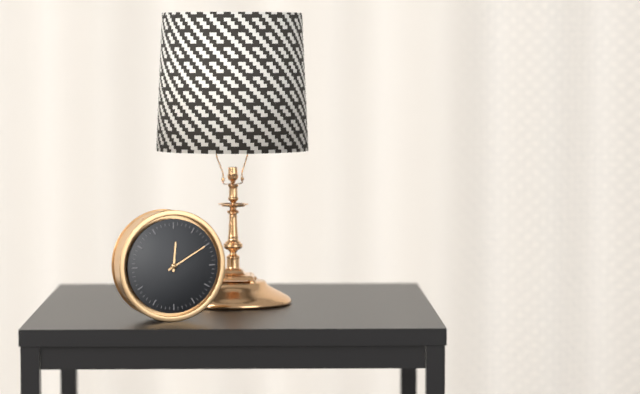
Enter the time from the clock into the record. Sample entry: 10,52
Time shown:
12,10
